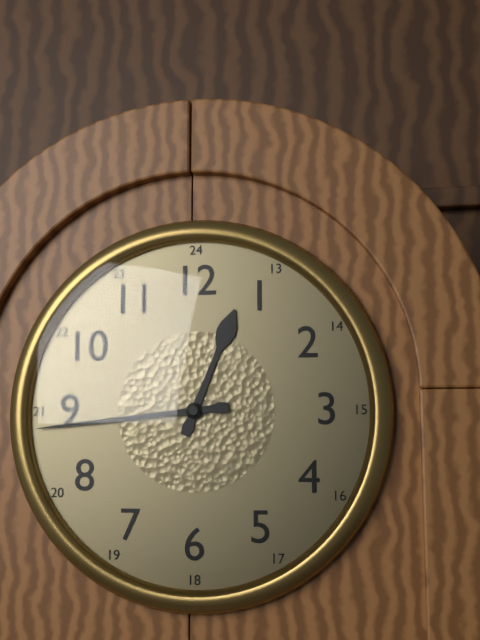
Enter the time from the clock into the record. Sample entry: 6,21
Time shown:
12,44
